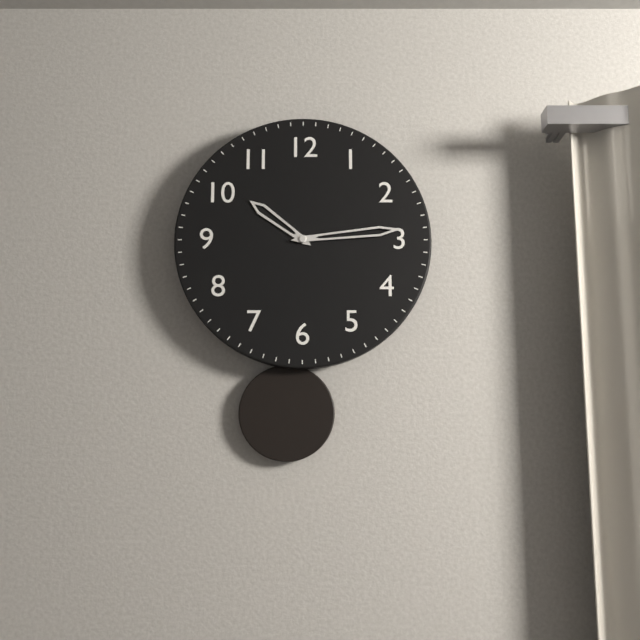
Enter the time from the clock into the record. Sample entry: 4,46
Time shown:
10,14
